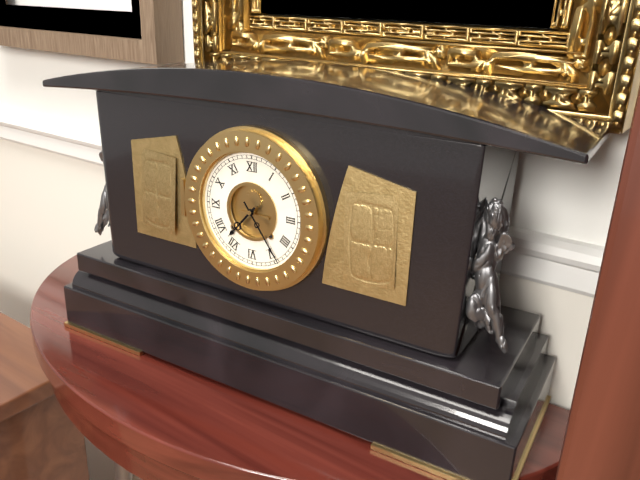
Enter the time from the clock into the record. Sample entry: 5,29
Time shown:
7,24
